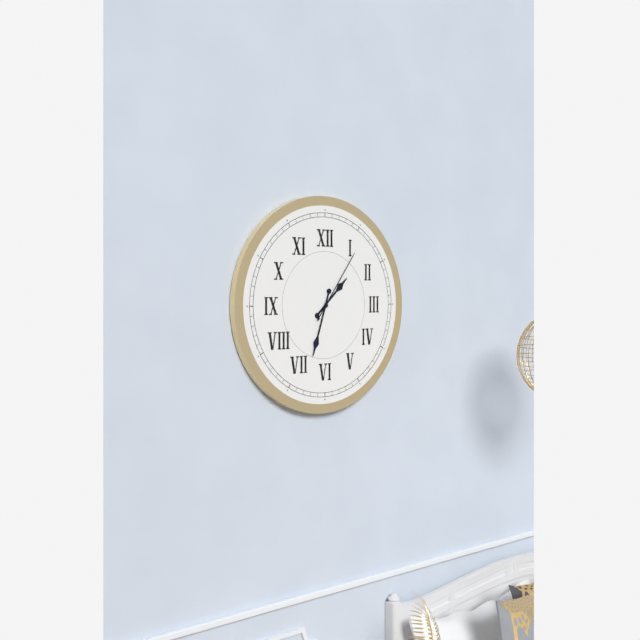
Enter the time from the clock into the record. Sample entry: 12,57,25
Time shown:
1,33,06
